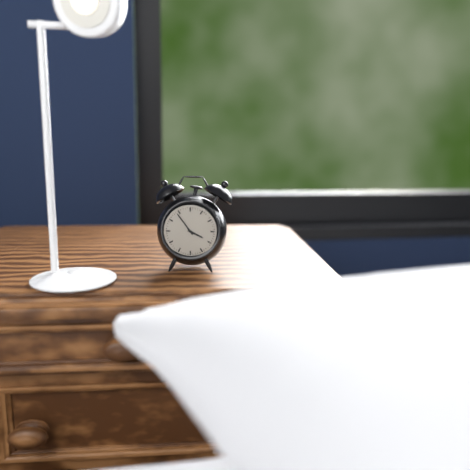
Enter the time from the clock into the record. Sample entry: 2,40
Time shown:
3,54
